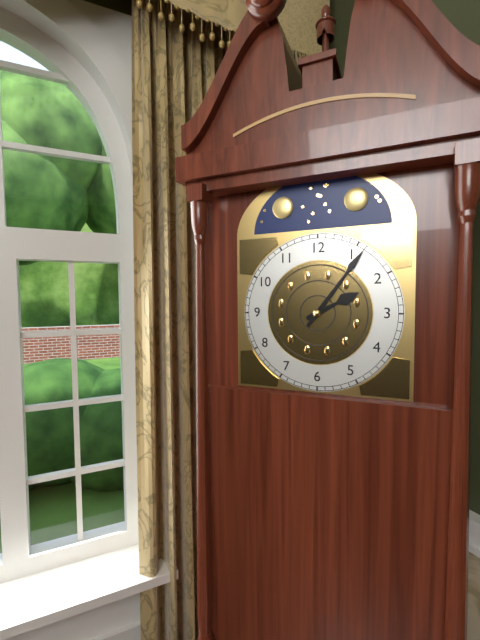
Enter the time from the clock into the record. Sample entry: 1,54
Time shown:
2,06
